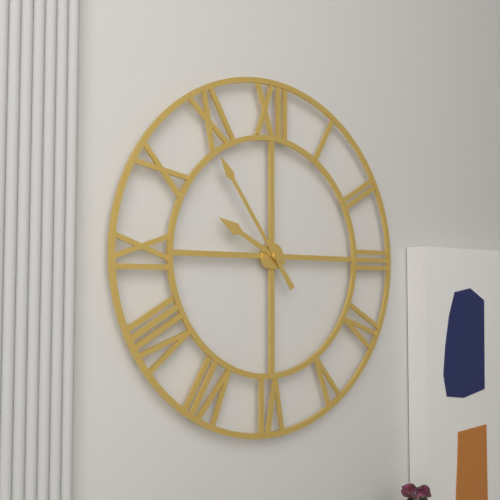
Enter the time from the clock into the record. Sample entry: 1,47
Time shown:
9,54
